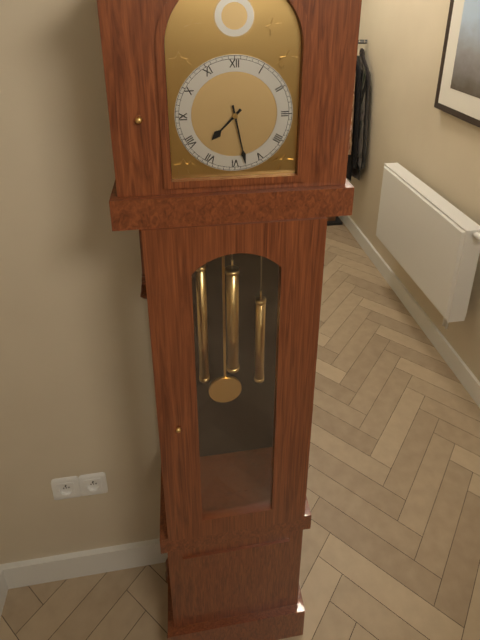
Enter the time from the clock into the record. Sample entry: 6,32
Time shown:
7,28
